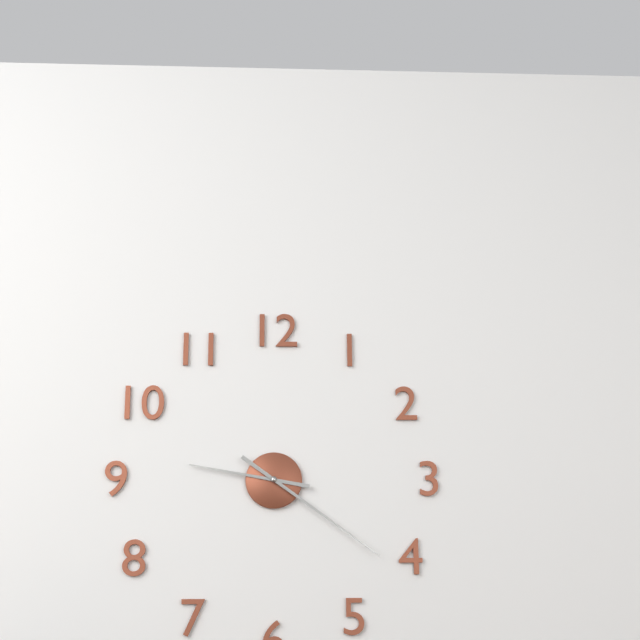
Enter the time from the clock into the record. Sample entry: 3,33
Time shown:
9,21
